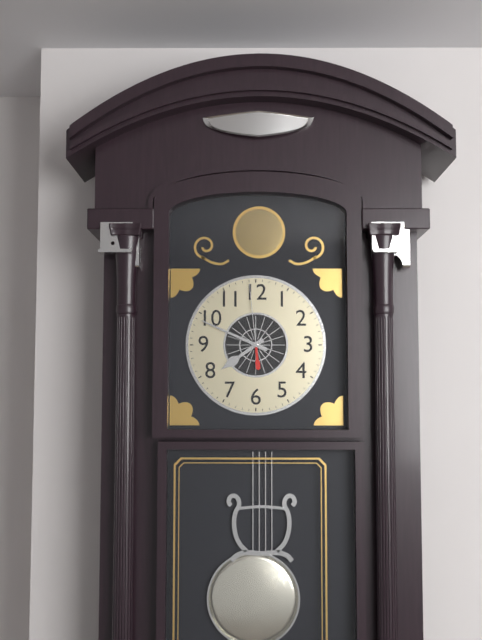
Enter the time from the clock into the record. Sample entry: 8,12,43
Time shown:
7,49,59
